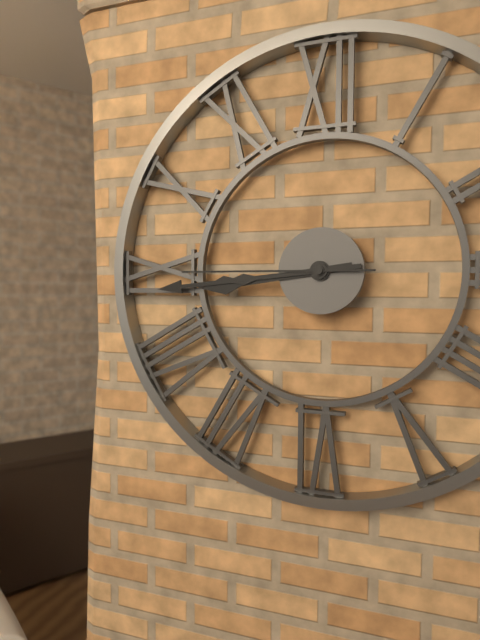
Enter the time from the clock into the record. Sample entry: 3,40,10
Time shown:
8,44,45
